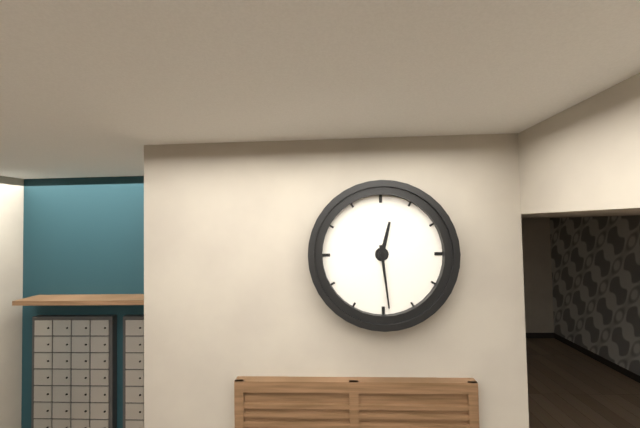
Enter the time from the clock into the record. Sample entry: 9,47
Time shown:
12,29
